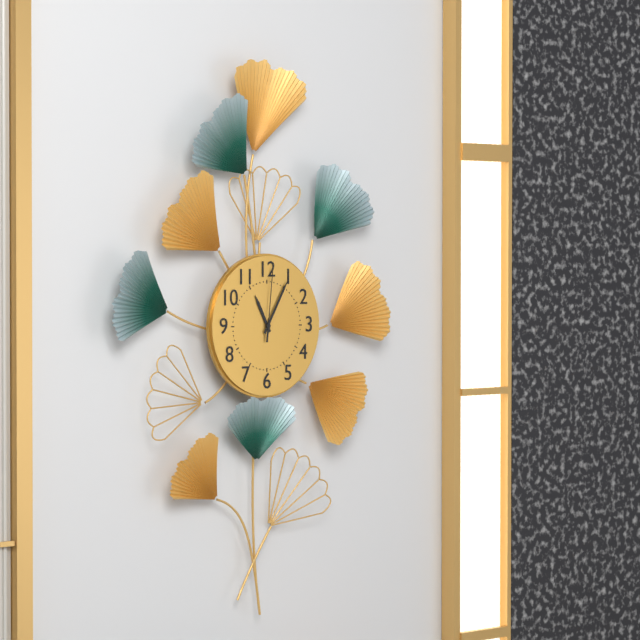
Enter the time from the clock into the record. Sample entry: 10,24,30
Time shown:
11,05,01
